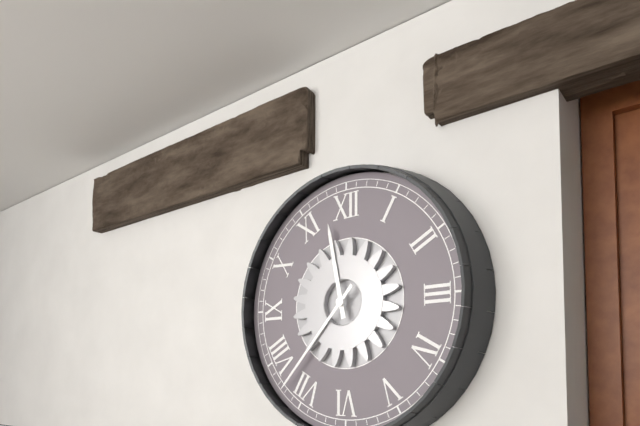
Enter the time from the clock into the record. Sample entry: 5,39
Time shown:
11,37
